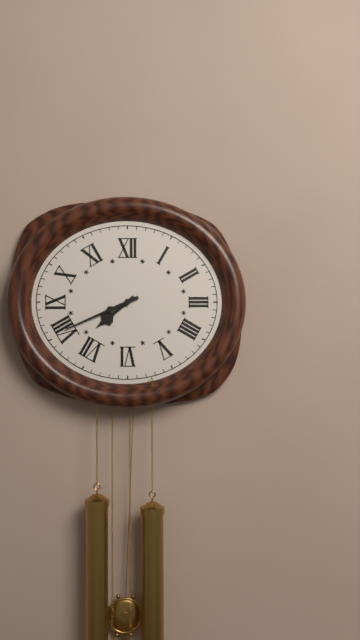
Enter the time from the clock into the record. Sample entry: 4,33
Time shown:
7,41
